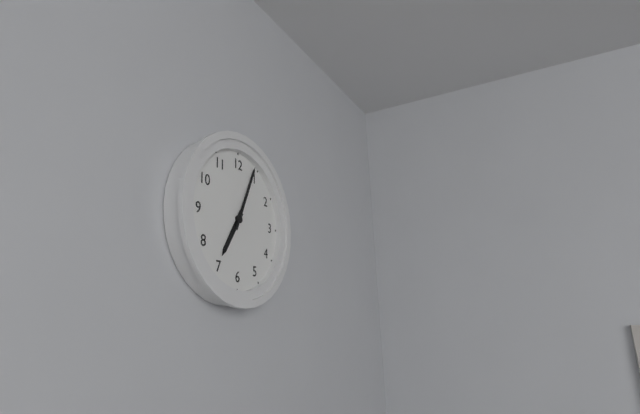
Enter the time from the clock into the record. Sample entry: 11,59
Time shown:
7,04
